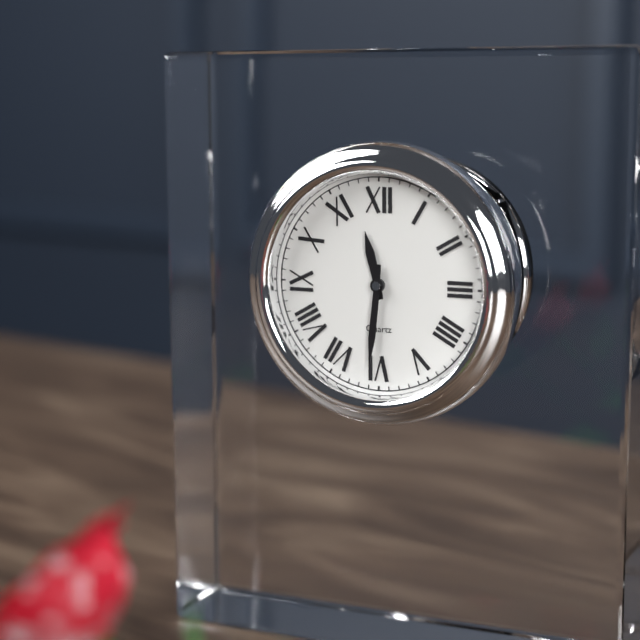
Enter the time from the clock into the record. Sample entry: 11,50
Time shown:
11,31
